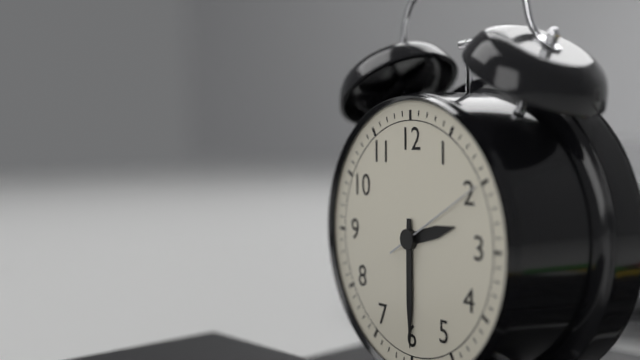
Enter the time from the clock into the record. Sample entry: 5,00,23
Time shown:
2,30,10
